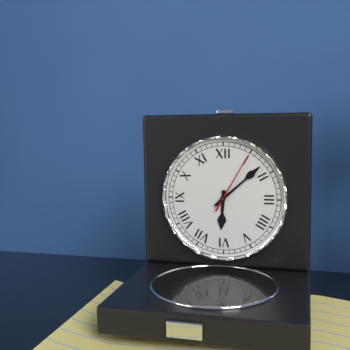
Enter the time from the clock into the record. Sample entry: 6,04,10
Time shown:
6,08,05
